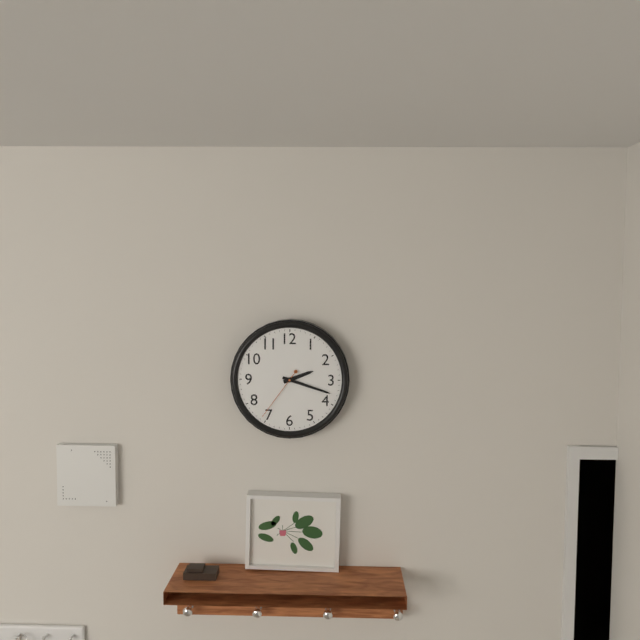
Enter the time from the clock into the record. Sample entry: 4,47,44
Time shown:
2,18,36
